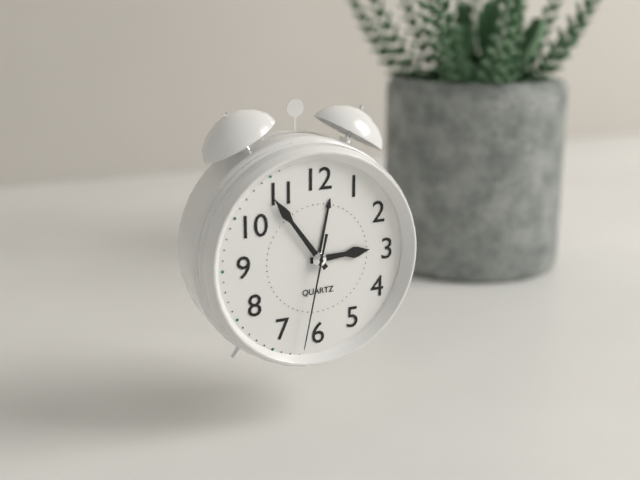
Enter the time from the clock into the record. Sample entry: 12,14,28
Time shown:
2,54,32
